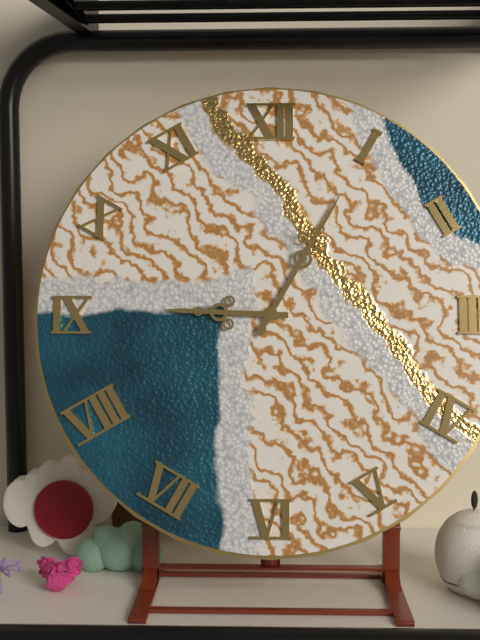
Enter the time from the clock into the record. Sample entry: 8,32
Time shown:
9,05
